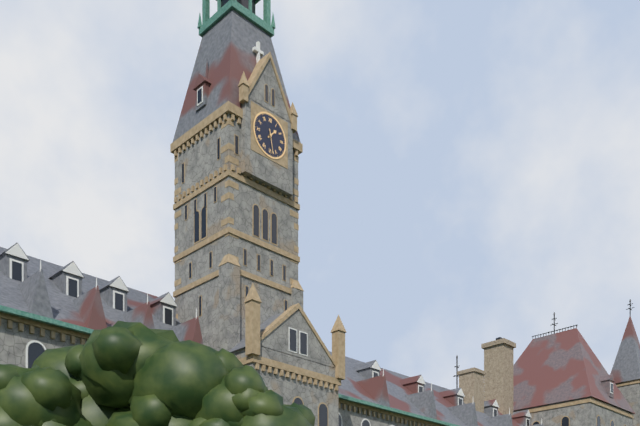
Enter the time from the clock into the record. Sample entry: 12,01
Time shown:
1,28
